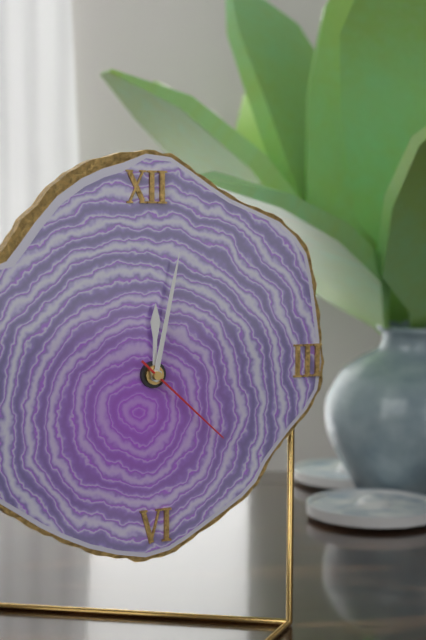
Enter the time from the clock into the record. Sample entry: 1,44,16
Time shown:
12,02,22
